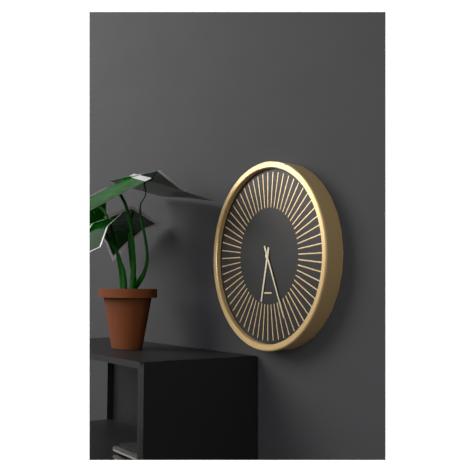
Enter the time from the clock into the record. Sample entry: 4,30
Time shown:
6,26
